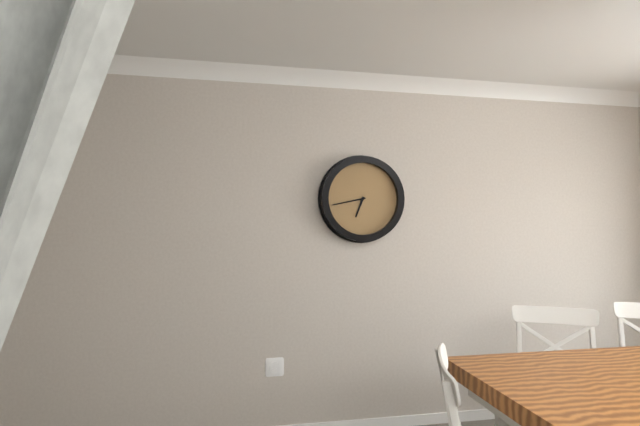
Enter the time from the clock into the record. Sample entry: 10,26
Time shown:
6,43
